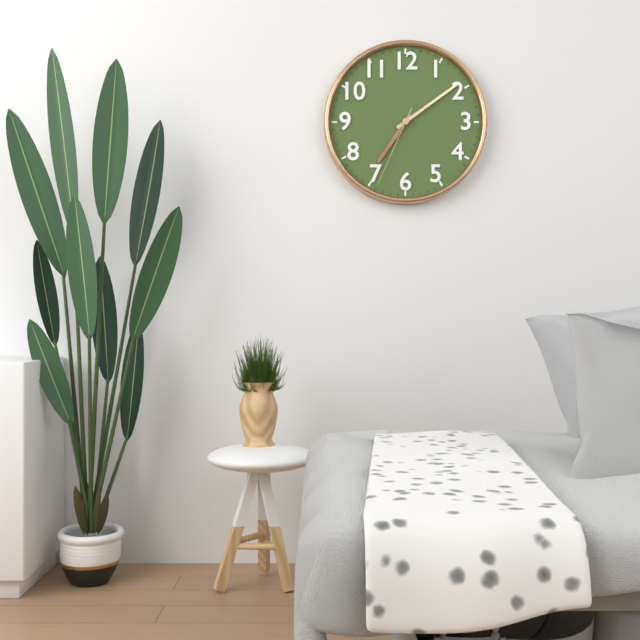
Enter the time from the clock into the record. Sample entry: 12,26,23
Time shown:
7,09,34
